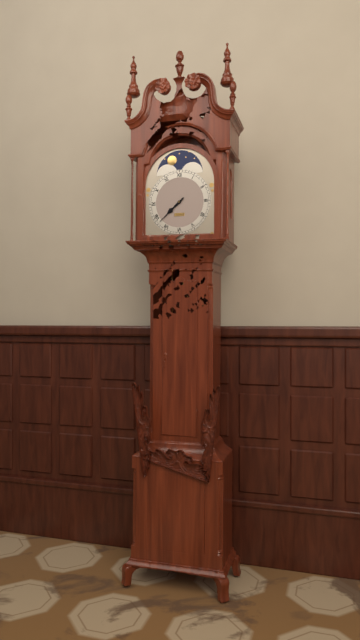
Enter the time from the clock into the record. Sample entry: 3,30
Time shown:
7,38
